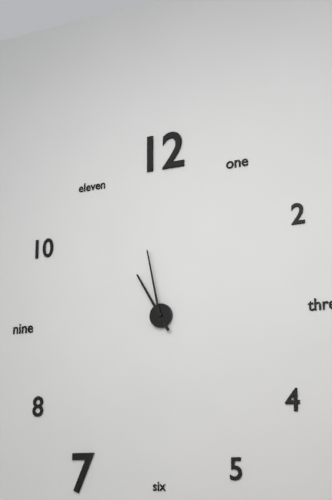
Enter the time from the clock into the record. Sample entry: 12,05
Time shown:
10,58
